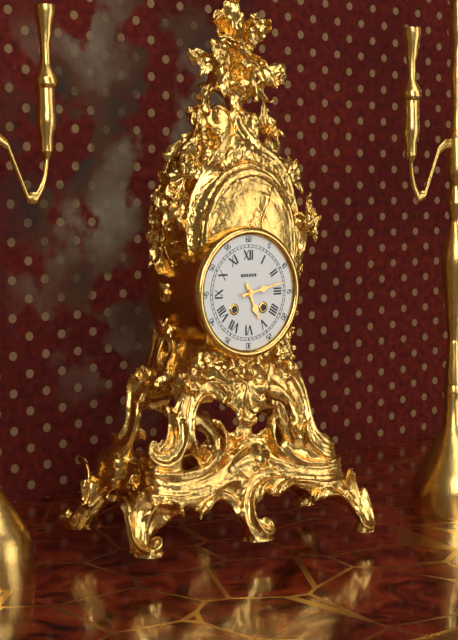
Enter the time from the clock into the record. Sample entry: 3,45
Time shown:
5,13
